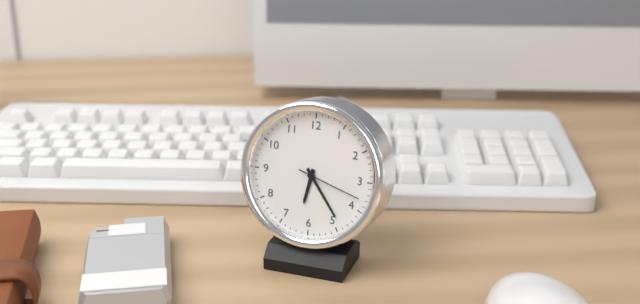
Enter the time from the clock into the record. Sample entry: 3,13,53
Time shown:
6,24,18
